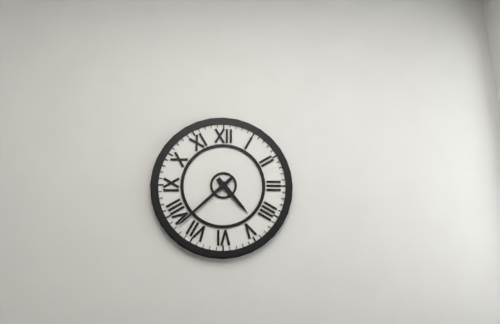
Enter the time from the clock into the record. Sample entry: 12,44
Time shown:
4,38
